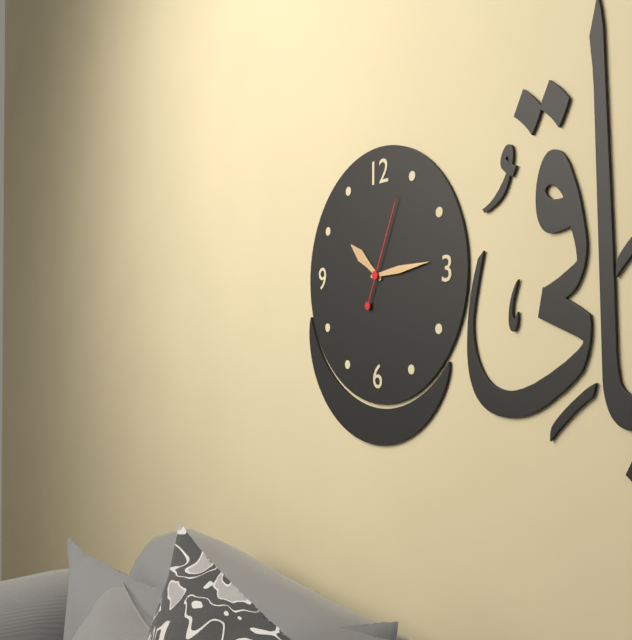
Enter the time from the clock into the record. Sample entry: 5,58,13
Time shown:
10,14,04
